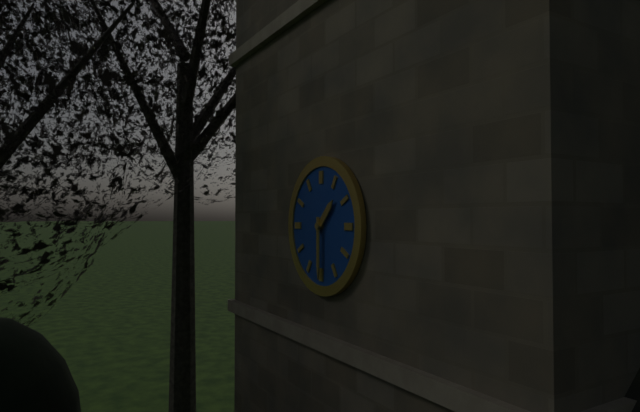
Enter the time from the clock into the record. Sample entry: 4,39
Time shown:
1,30
